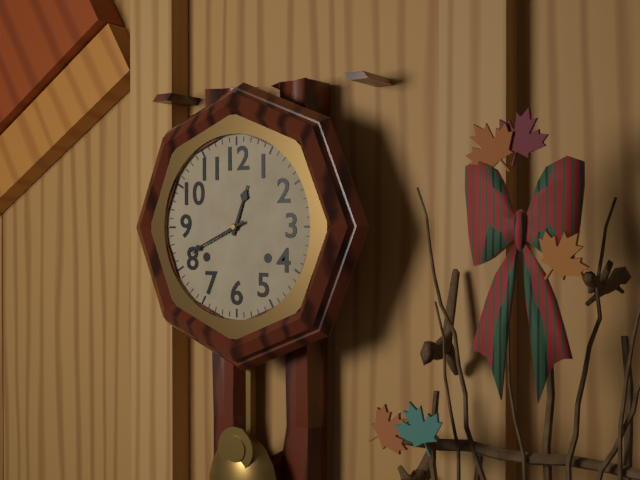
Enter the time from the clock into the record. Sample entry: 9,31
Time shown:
12,41
